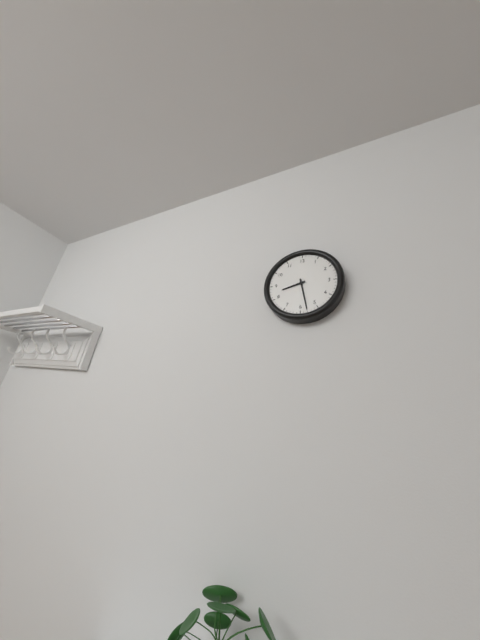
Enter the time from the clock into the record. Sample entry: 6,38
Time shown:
8,28
